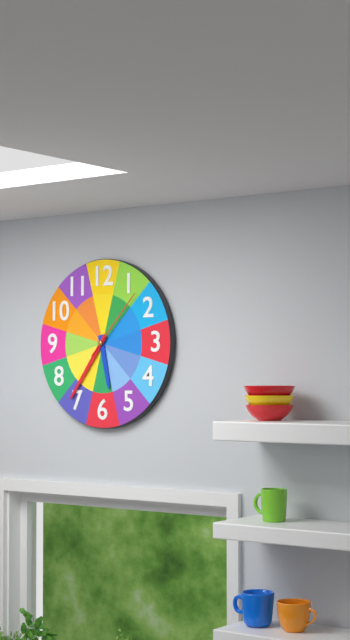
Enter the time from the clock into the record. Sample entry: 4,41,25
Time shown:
5,36,07
